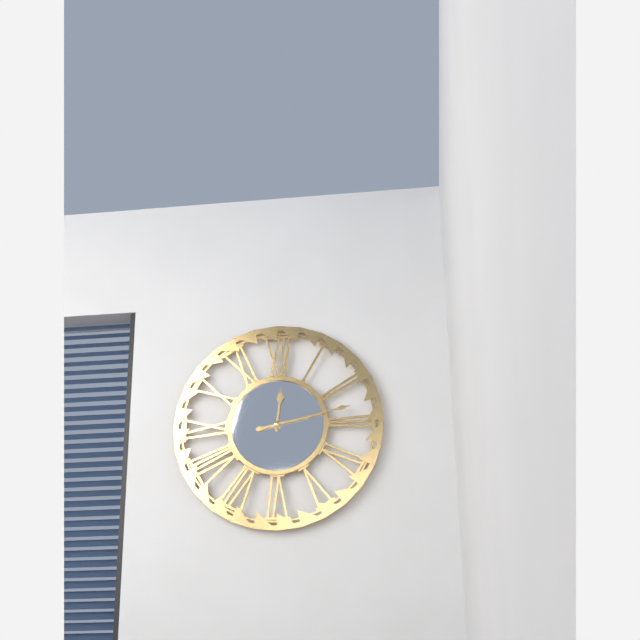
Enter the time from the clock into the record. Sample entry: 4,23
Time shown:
12,13
